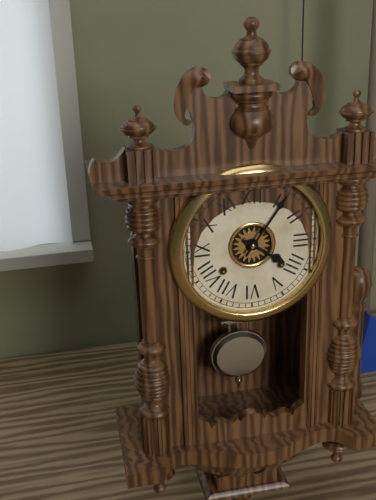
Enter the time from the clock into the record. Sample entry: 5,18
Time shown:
4,06
